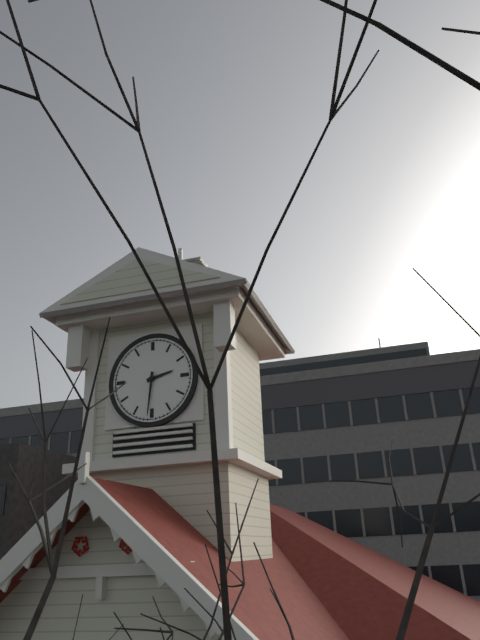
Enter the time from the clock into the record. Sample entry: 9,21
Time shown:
2,31
